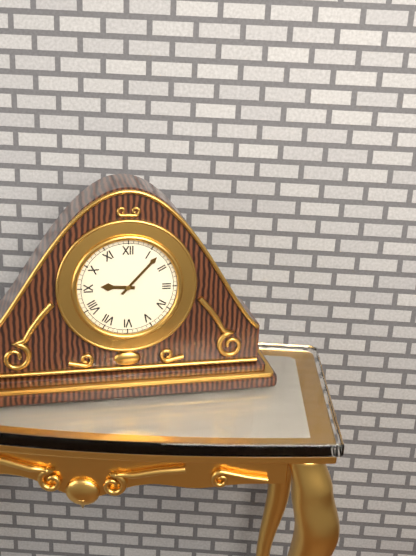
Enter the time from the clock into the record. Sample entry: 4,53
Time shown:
9,07
